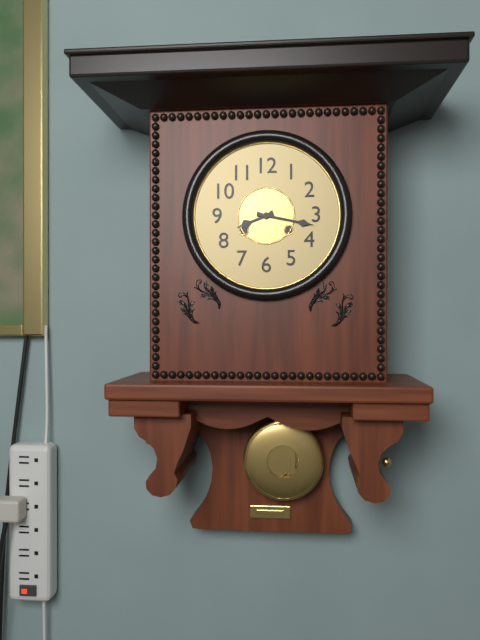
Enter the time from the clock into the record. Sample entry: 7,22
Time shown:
8,17
